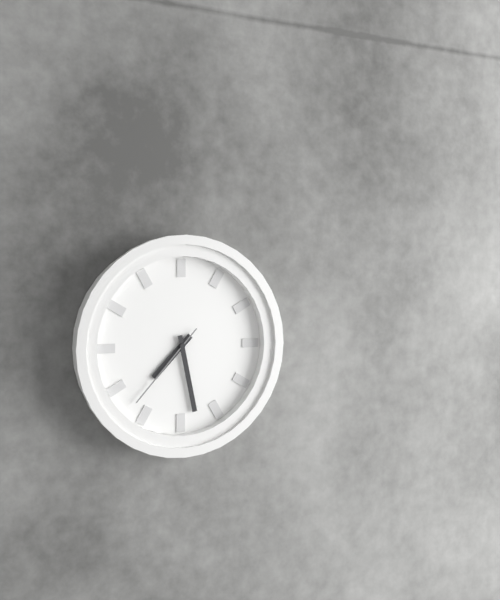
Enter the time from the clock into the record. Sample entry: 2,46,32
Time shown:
7,28,37
